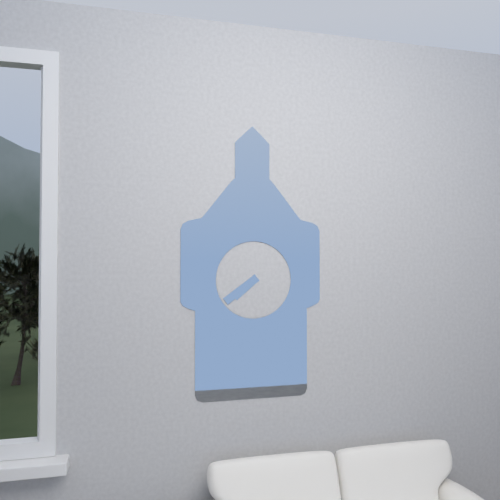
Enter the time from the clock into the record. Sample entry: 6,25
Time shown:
7,39
